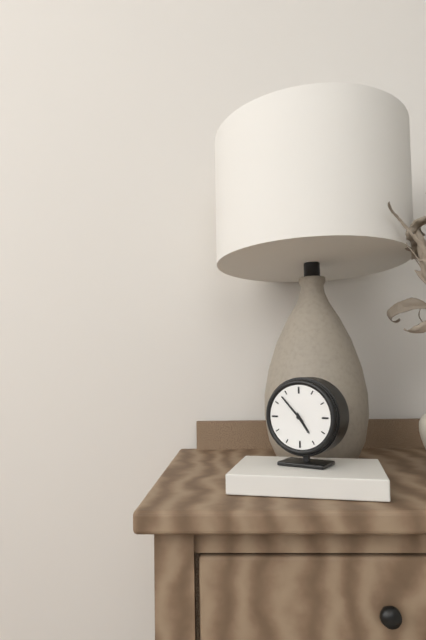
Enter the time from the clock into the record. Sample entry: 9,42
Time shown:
4,53
